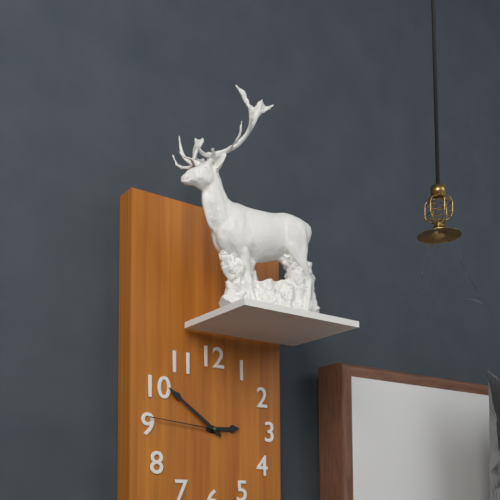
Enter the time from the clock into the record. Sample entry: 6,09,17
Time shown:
2,51,46
